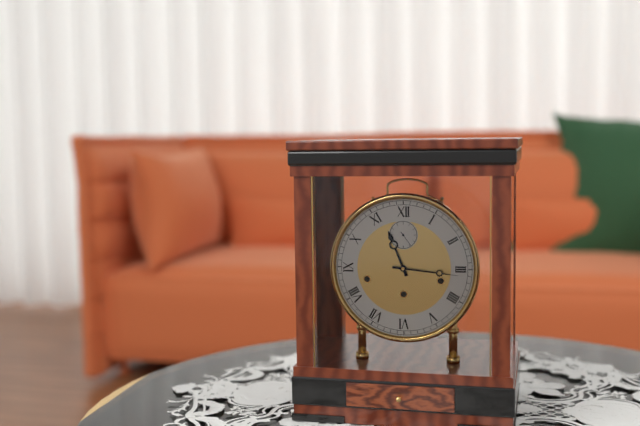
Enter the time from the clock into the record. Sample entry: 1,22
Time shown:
11,16
